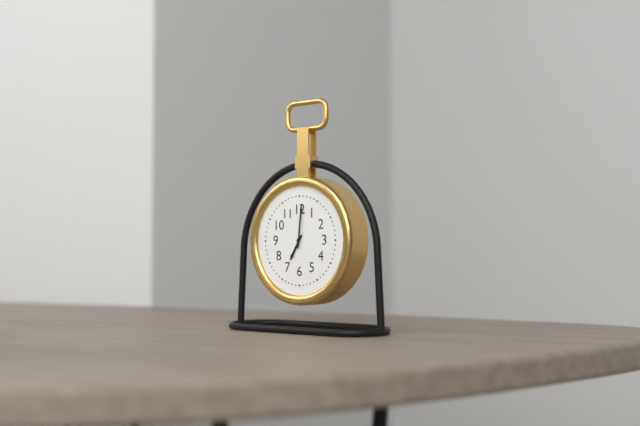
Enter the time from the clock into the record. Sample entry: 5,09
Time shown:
7,01
